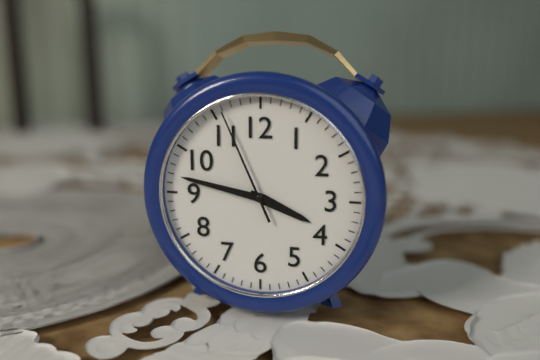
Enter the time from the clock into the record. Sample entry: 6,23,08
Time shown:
3,47,56
